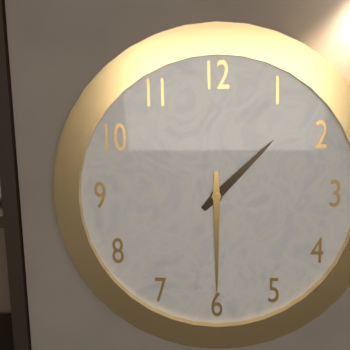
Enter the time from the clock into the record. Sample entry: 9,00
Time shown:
1,30
